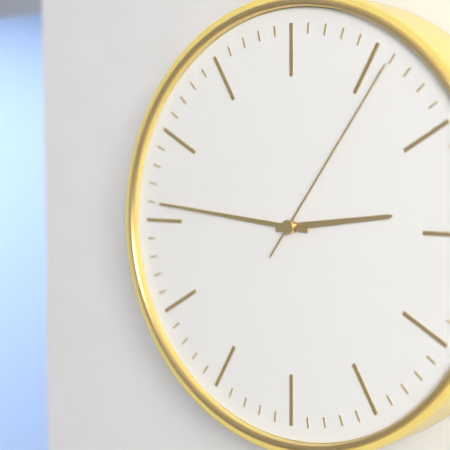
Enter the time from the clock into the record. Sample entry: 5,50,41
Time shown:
2,46,06
